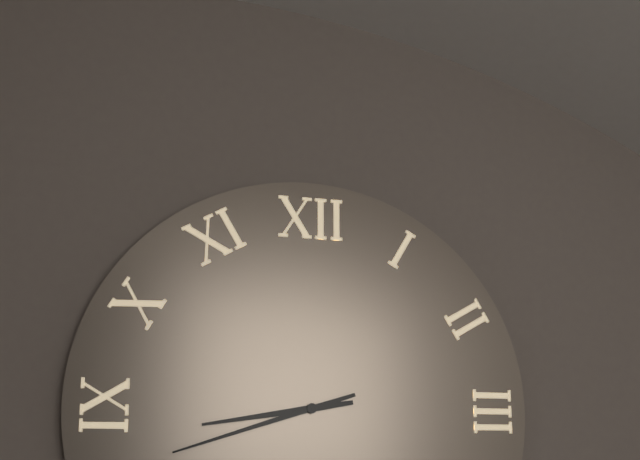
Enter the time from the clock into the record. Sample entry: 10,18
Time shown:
8,42
